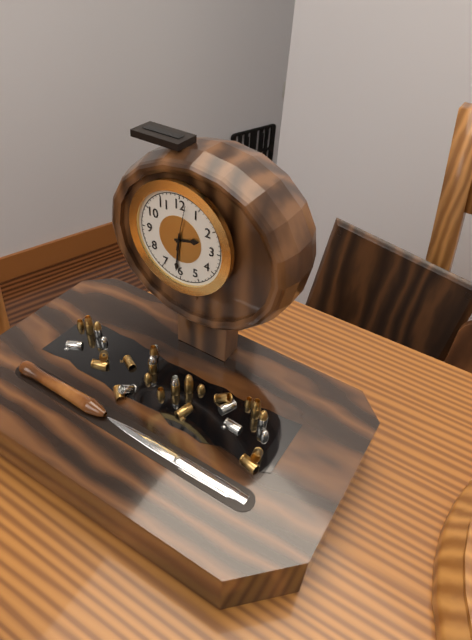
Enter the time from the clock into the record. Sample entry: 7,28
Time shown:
2,31
